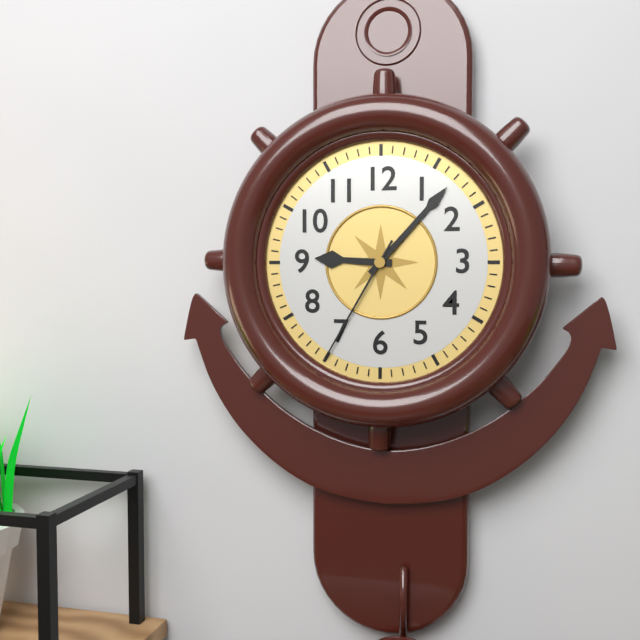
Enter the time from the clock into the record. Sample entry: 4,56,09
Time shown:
9,07,35
